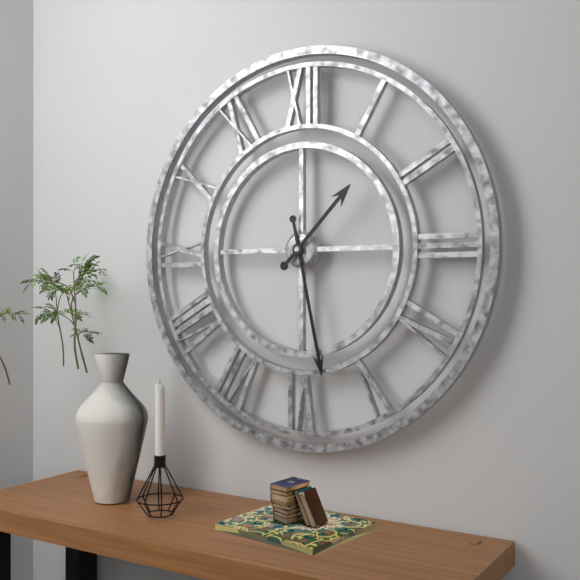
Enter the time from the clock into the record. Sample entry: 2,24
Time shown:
1,28
